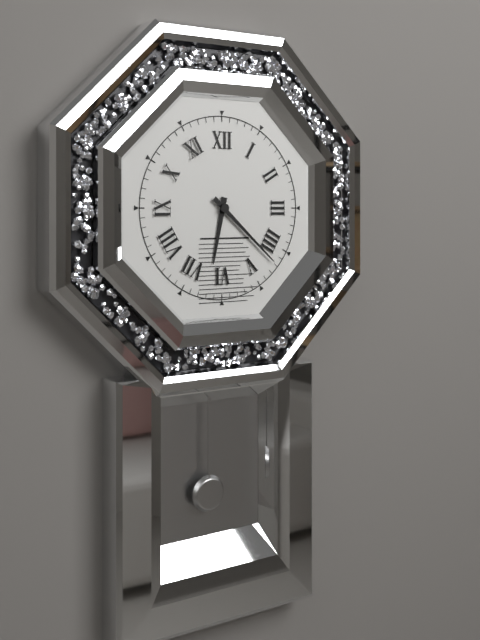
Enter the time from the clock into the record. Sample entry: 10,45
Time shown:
6,22
